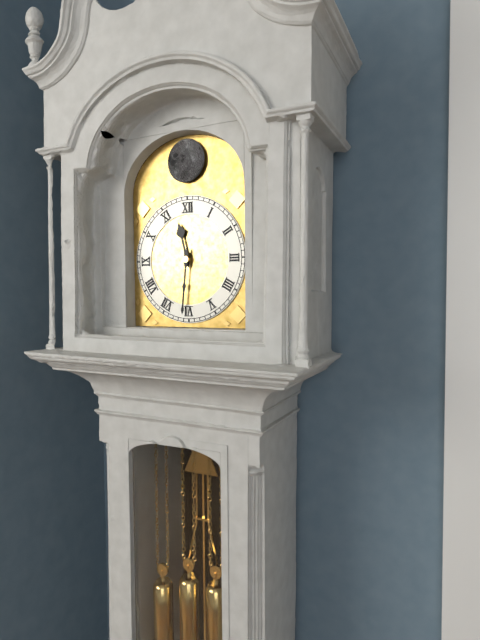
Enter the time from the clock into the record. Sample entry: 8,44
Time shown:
11,31
